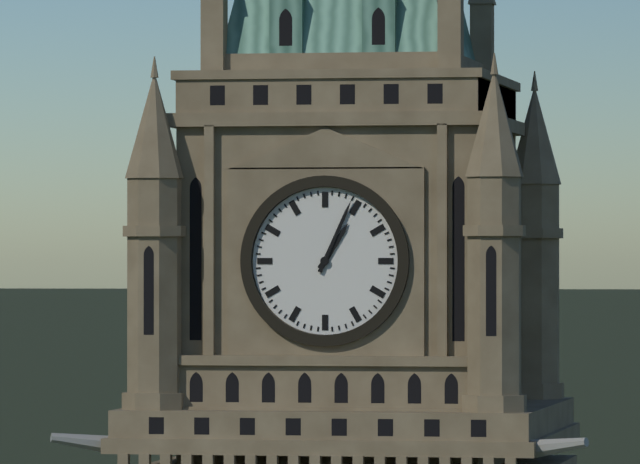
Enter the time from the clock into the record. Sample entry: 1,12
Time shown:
1,04
